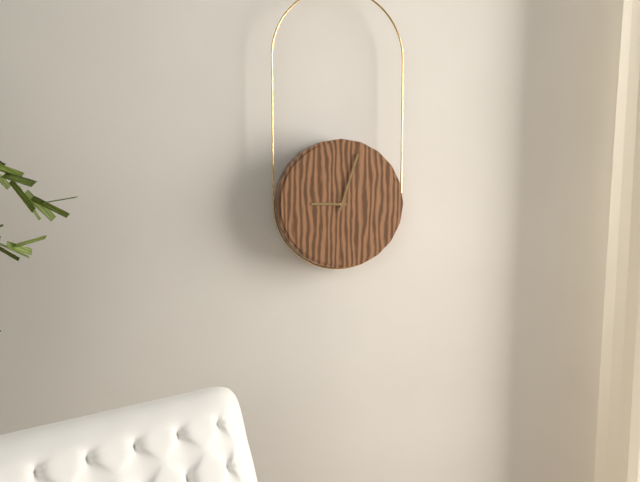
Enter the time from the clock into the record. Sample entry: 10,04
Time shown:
9,03
